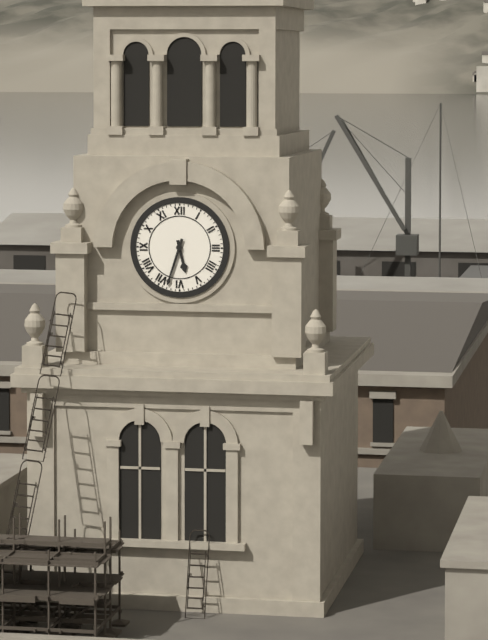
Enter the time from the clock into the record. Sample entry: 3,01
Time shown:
5,33
